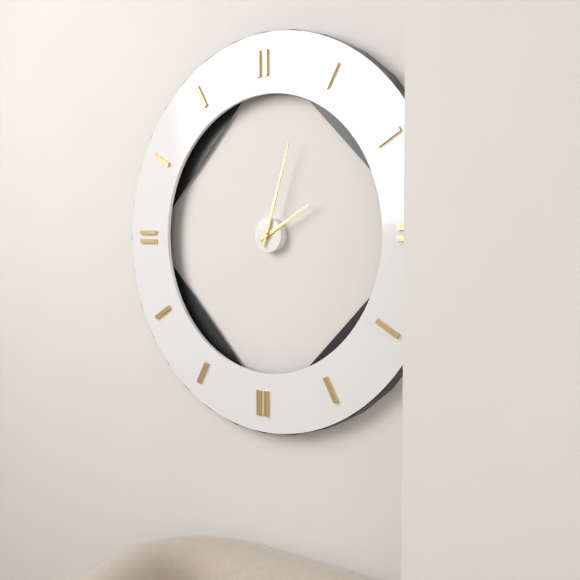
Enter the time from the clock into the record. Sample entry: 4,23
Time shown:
2,03
